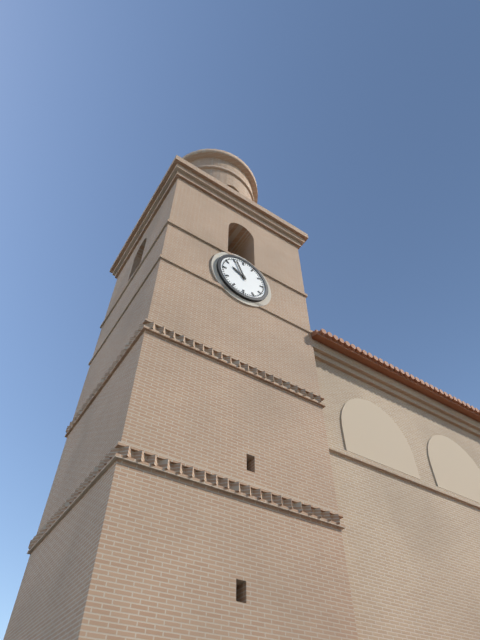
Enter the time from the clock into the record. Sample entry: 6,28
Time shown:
9,56
